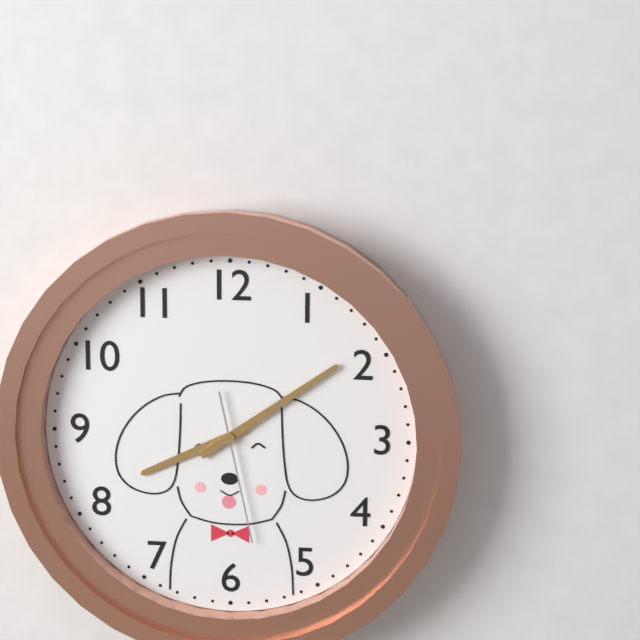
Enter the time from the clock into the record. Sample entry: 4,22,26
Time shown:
8,09,28
